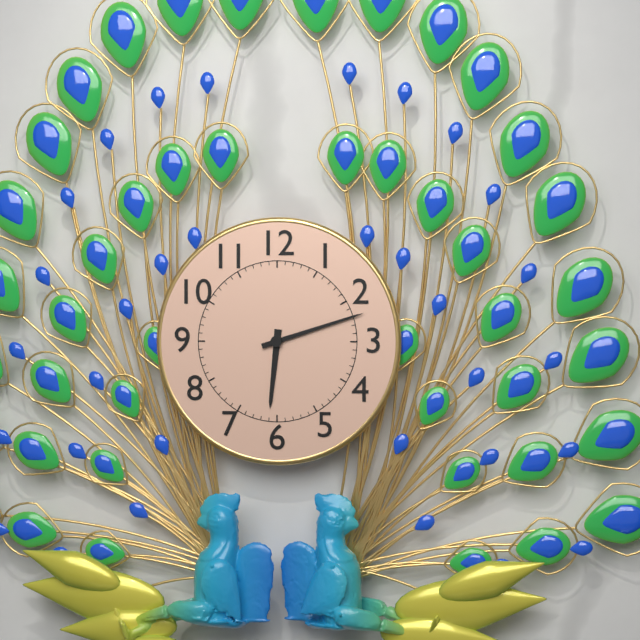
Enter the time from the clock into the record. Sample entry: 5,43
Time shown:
6,12
